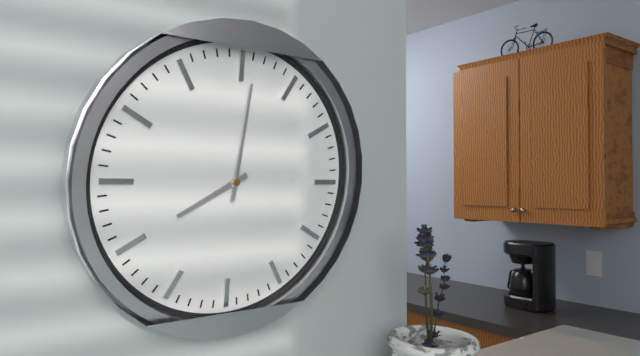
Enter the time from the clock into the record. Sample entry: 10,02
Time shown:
8,01
